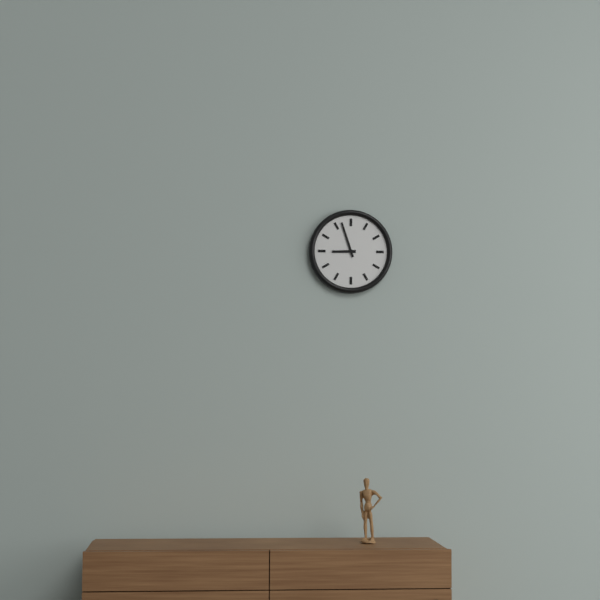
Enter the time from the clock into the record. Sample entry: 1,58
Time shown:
8,57
